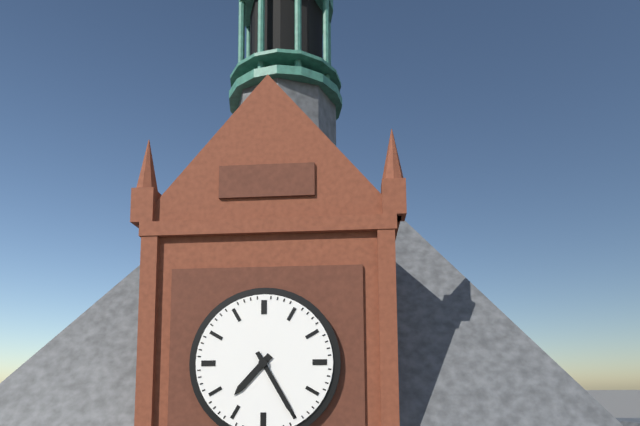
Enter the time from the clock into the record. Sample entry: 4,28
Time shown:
7,25
